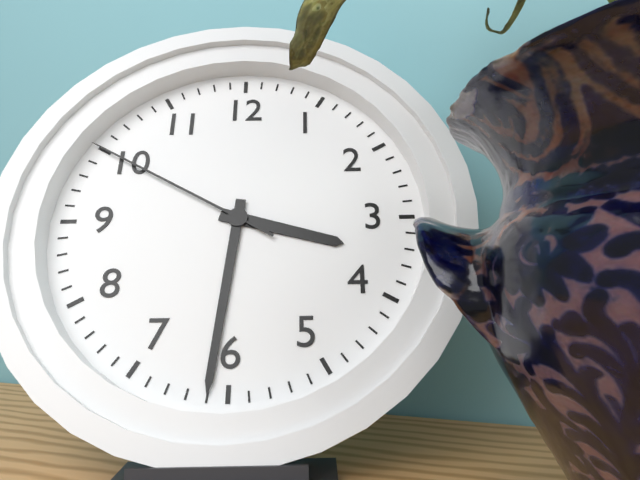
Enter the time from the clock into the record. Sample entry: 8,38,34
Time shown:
3,31,50
